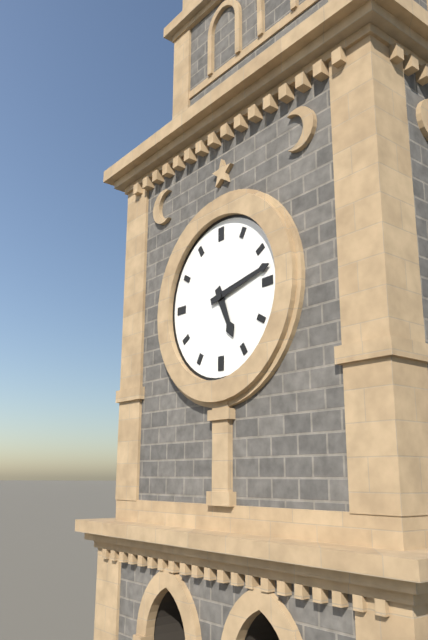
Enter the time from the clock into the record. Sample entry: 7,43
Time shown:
5,13
